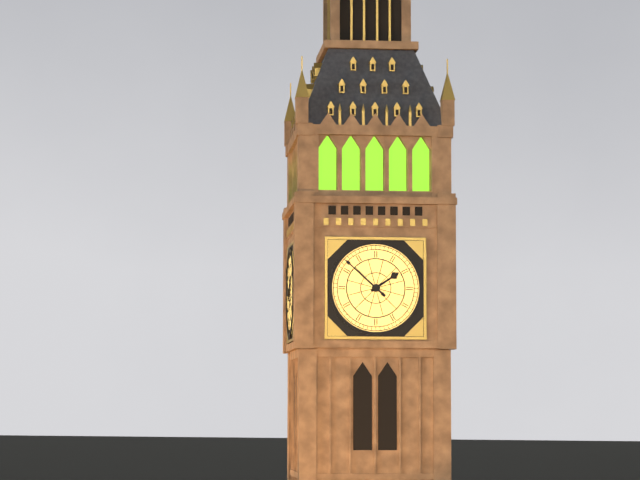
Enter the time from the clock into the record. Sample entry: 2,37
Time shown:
1,52
